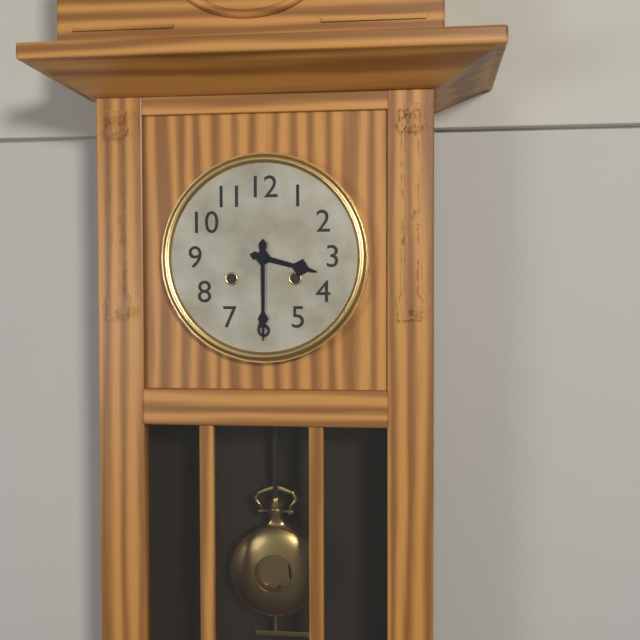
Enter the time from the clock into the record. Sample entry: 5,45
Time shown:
3,30
